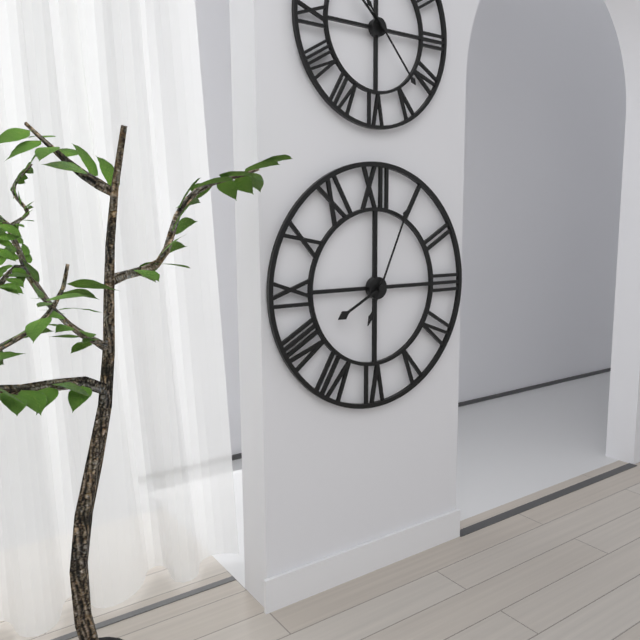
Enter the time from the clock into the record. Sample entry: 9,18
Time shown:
8,04
